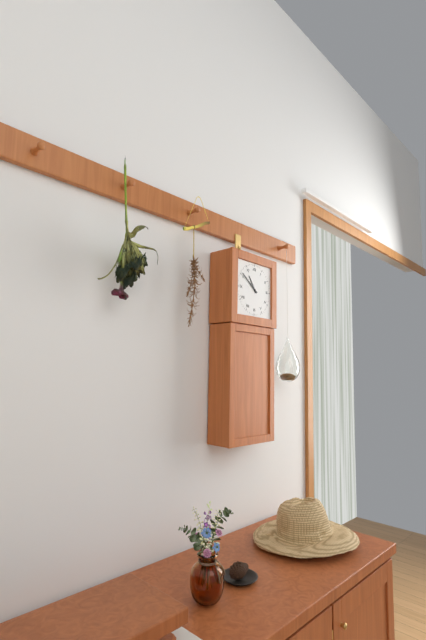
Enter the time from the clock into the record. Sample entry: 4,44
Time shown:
10,51
